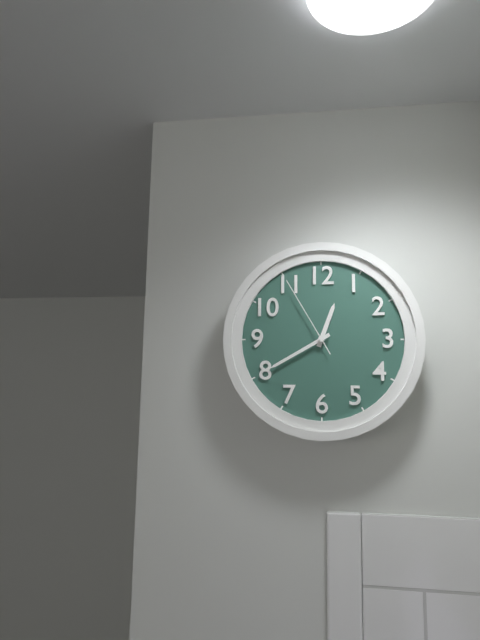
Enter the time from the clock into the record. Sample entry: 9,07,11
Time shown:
12,40,55
